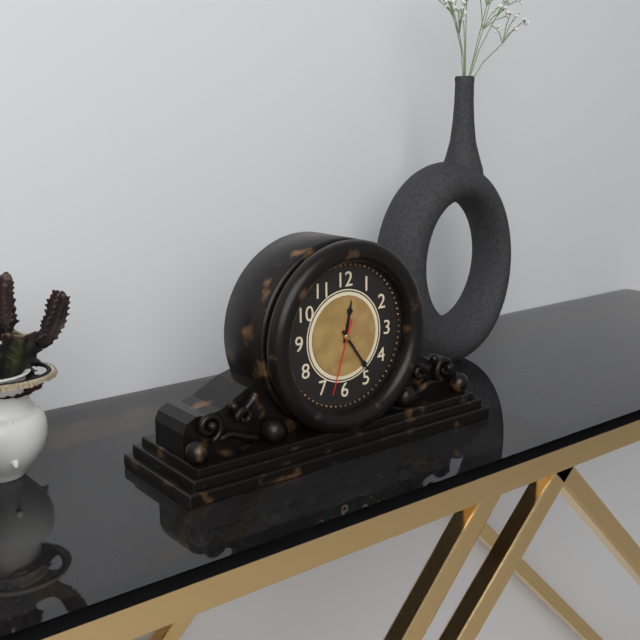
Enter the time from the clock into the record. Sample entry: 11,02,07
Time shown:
12,24,33
